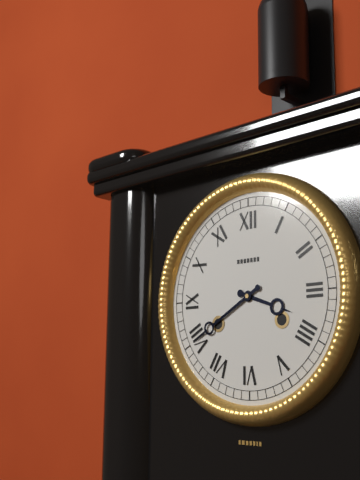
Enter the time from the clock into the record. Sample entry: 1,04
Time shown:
3,40
